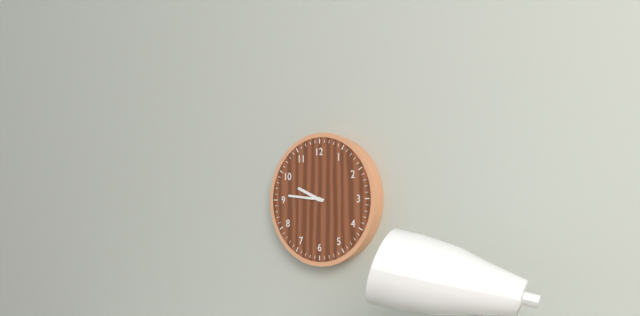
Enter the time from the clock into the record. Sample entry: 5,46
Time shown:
9,46
